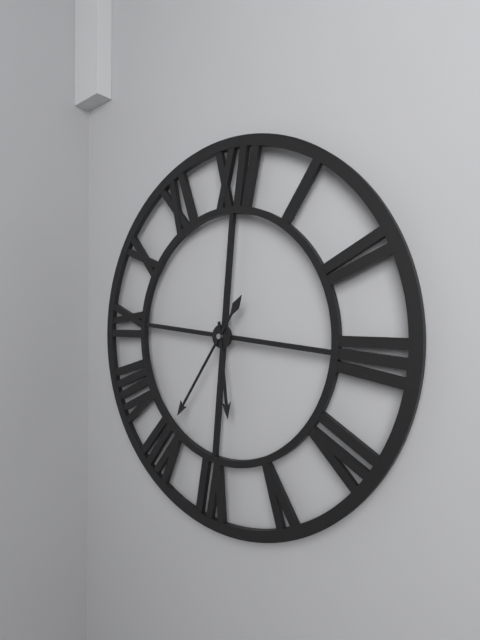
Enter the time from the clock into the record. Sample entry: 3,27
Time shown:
5,35
